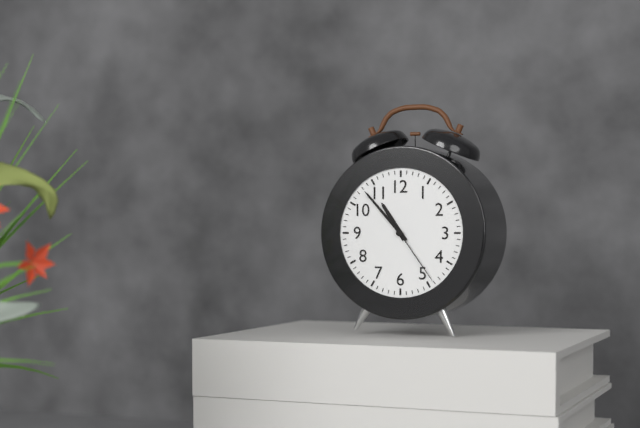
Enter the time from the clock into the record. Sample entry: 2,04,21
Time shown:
10,53,24
